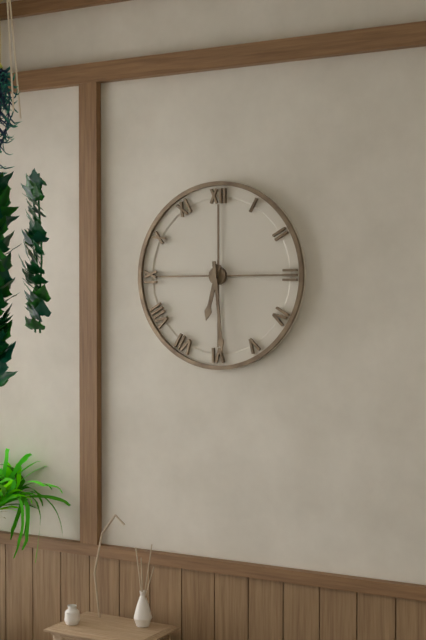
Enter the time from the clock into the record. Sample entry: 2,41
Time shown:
6,29
